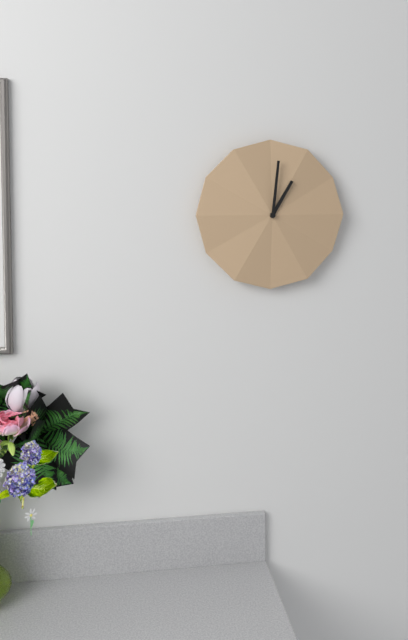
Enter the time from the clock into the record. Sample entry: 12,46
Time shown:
1,01
